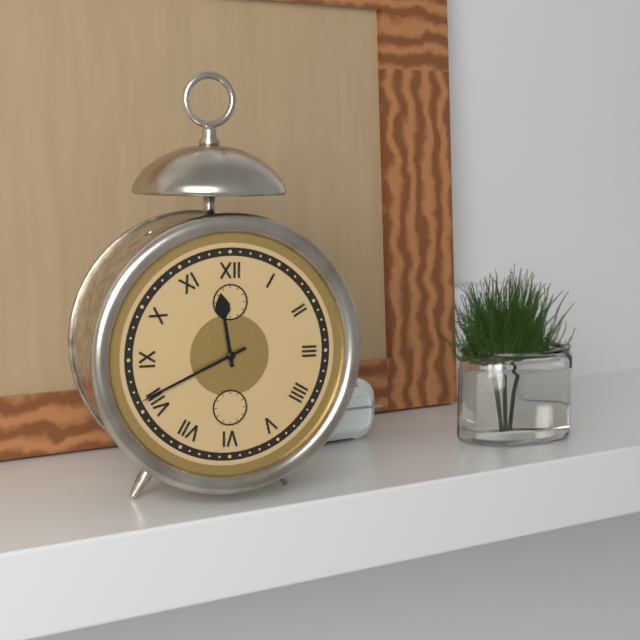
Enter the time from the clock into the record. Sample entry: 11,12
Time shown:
11,41
